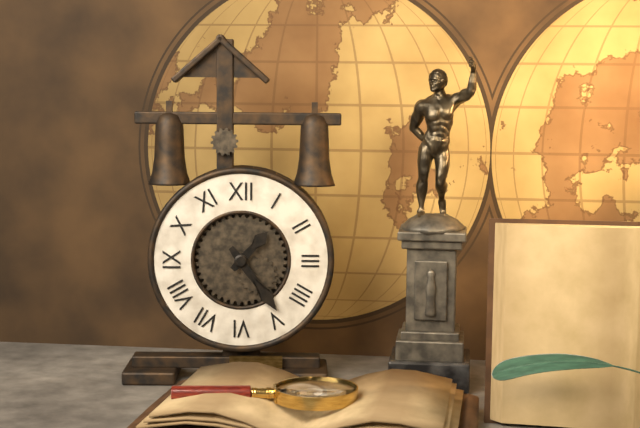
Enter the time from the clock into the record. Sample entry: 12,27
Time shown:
1,24
